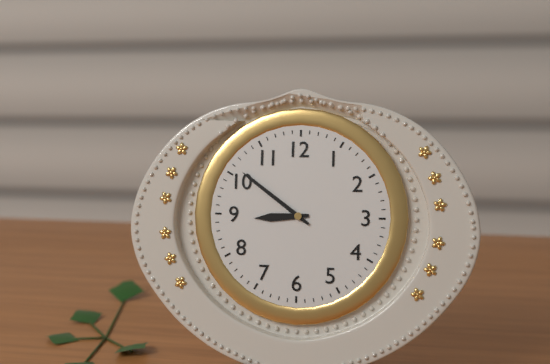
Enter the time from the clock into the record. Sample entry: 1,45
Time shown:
8,51
